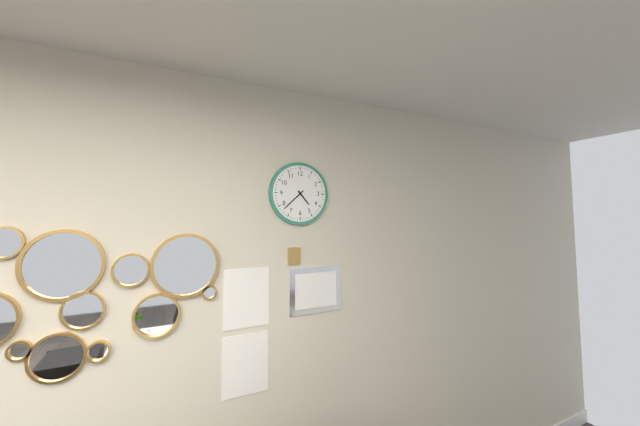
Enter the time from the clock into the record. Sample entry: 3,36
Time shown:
4,38
